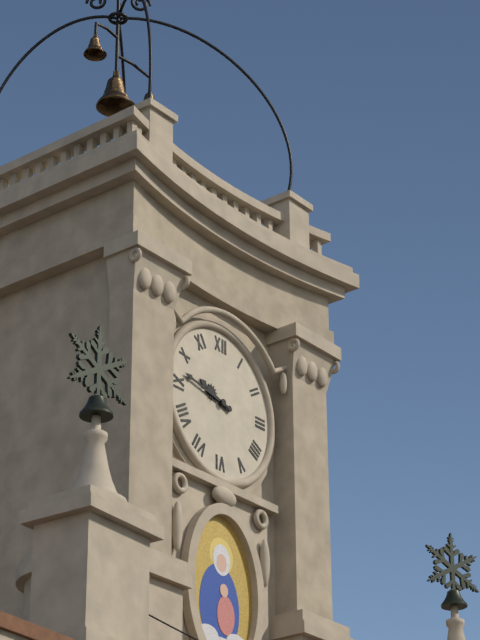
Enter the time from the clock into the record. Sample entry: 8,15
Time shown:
9,47
